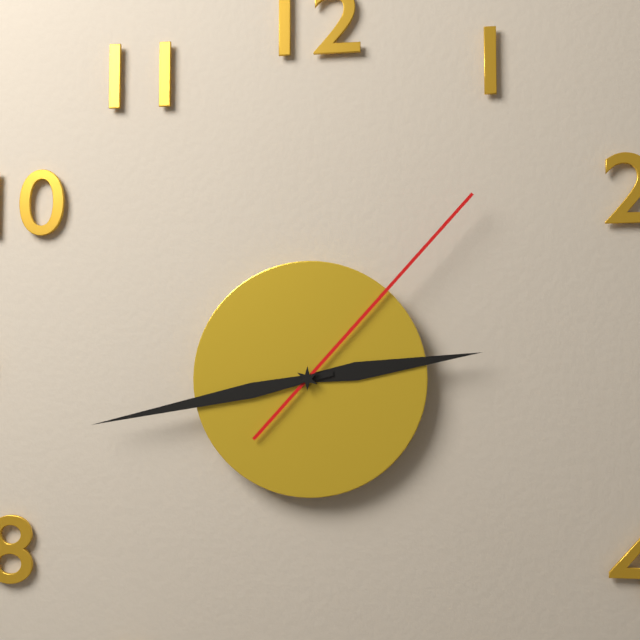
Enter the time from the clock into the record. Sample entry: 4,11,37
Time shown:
2,43,07
